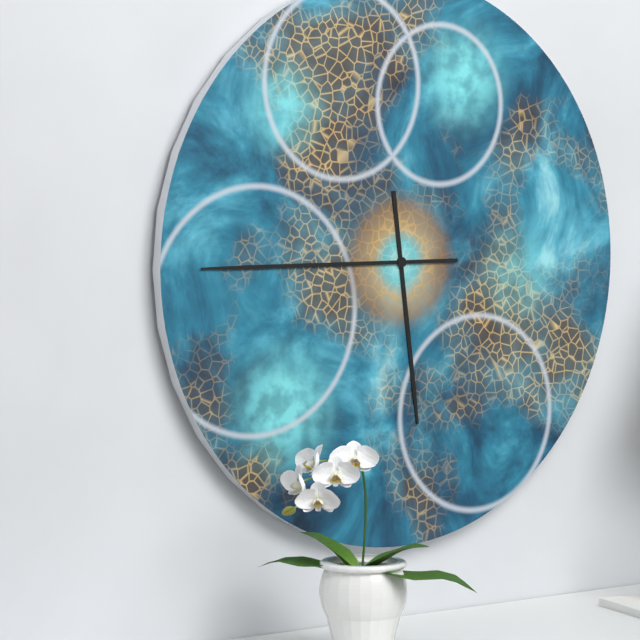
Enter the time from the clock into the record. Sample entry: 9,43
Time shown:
5,45
